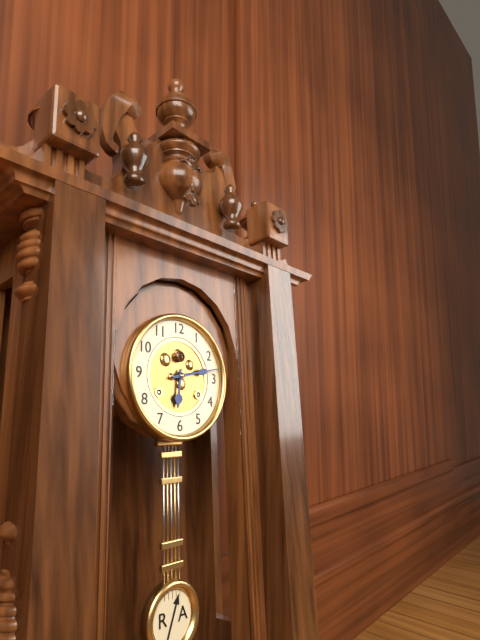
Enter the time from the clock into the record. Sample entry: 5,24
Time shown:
6,13
